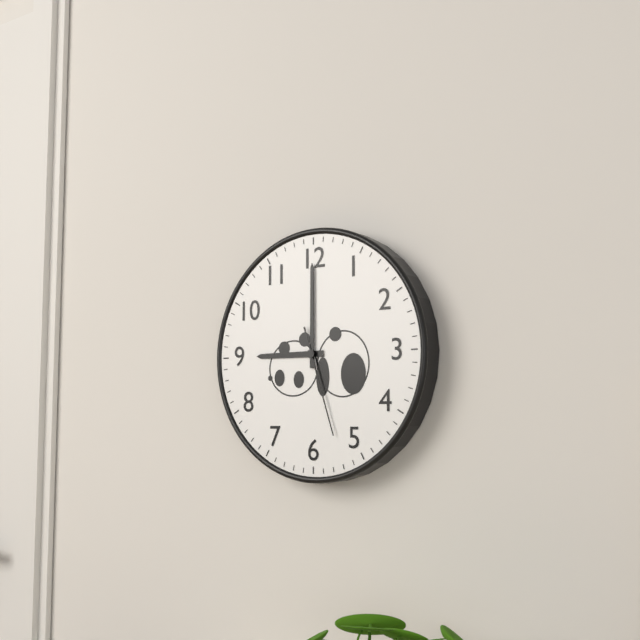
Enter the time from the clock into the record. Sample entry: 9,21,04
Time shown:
9,00,27
